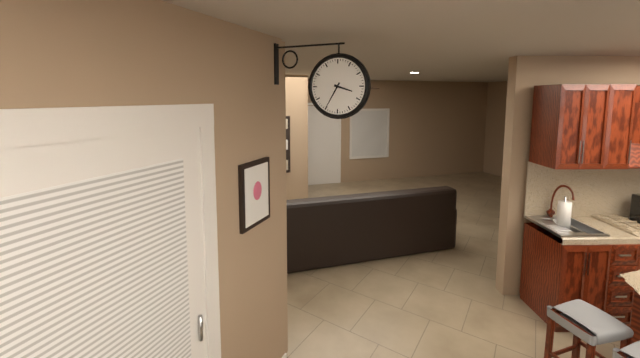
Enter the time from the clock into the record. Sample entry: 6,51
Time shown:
3,35
